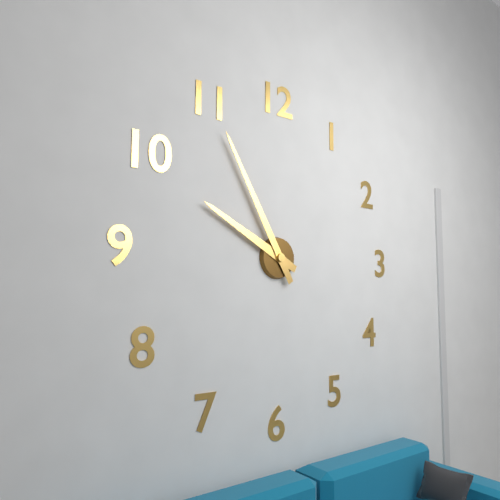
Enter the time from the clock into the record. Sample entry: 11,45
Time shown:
9,55
